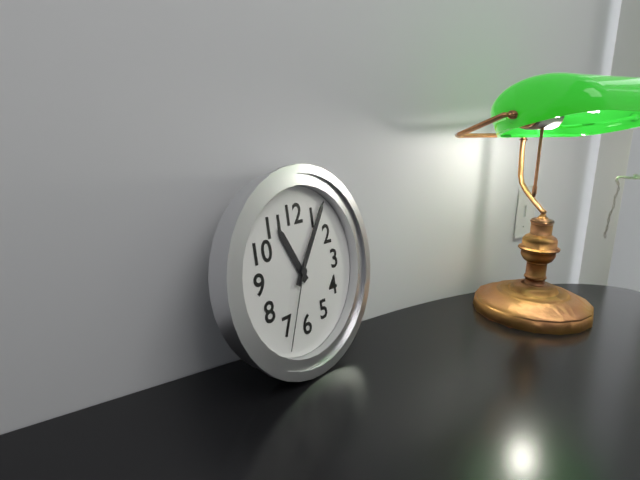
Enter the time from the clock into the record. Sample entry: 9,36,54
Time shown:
11,06,34
